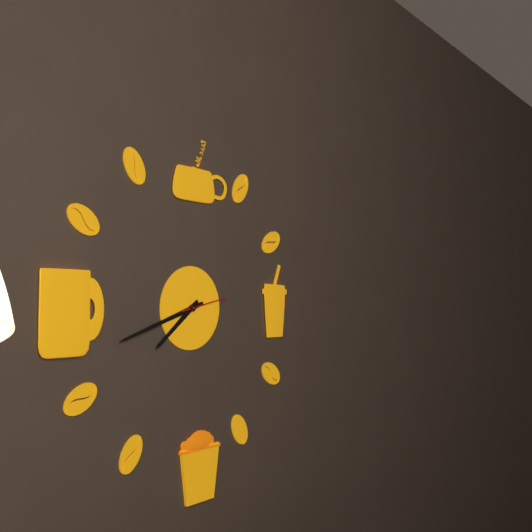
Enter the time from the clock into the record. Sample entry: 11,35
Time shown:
7,42
